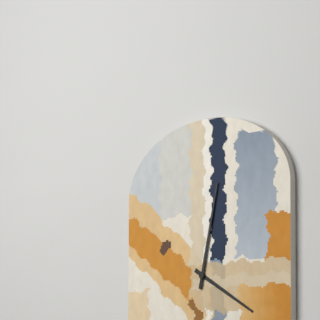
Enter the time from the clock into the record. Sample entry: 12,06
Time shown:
4,02
